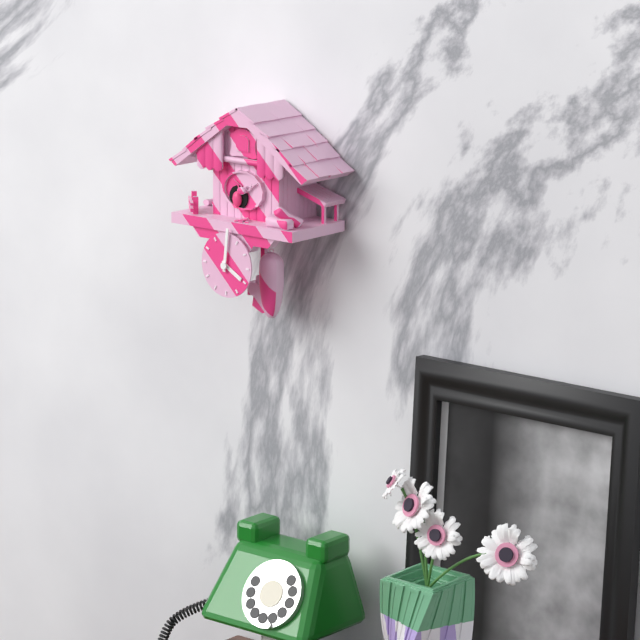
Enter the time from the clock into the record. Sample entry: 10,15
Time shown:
4,01
